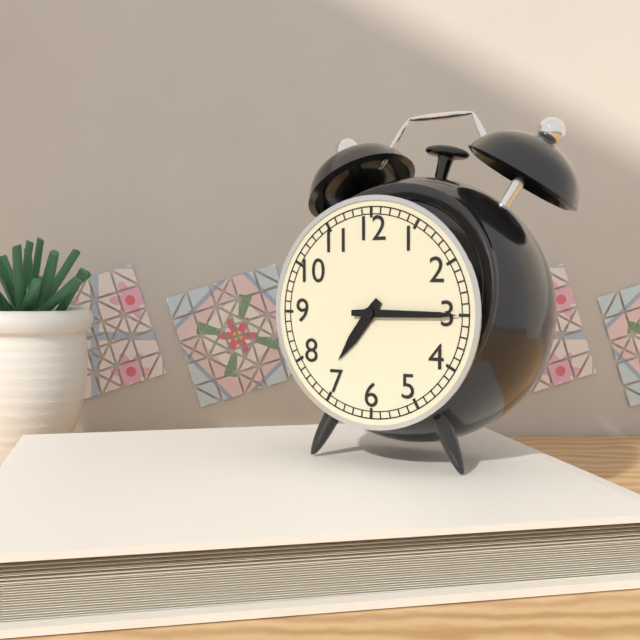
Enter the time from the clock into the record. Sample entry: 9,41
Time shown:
7,15
